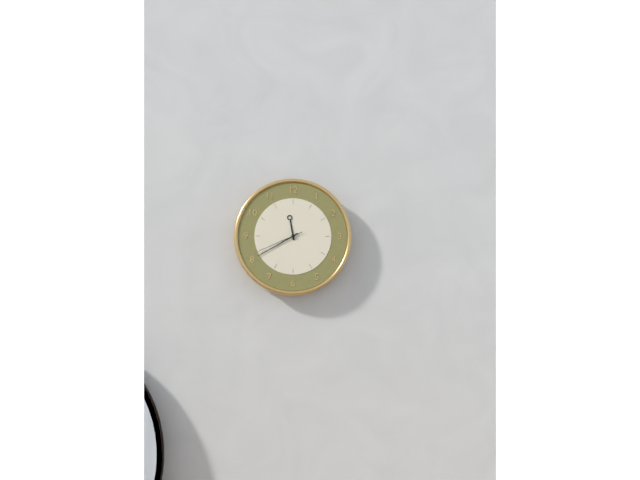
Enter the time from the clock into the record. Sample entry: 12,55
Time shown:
11,40
